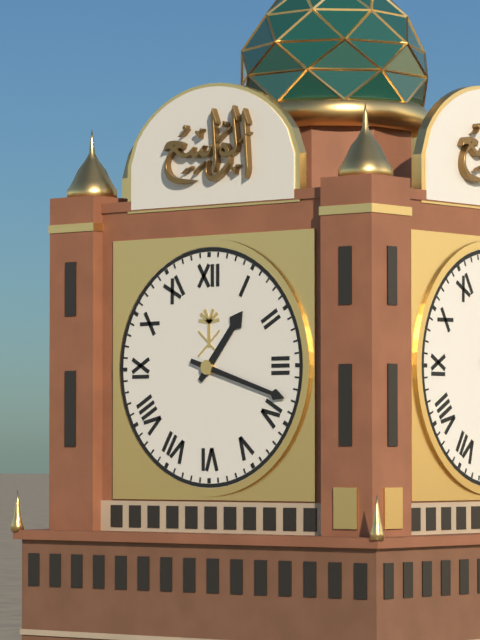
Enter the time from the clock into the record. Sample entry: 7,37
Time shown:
1,18
